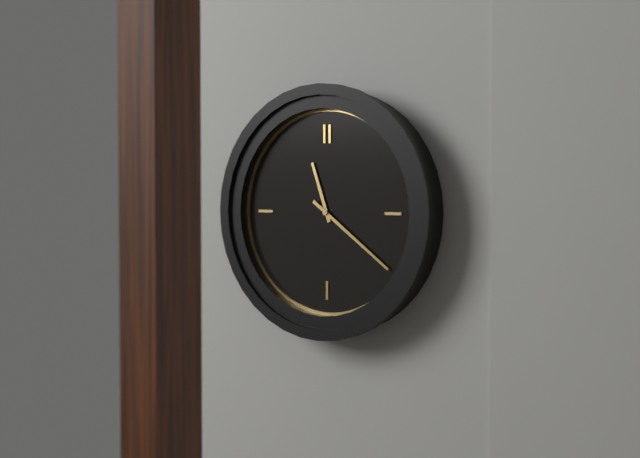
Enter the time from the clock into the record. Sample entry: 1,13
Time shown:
11,21
